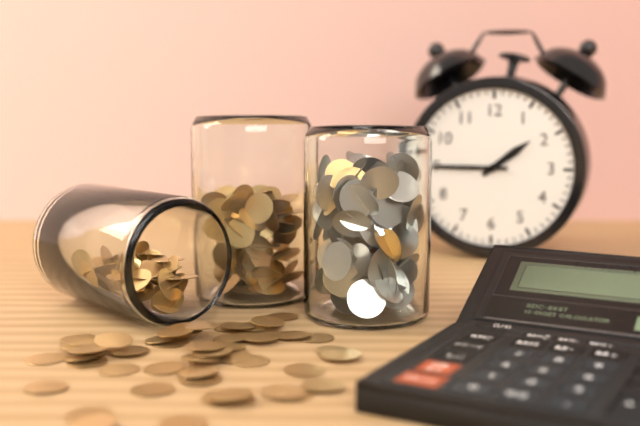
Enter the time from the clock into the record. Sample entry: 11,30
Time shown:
1,45
